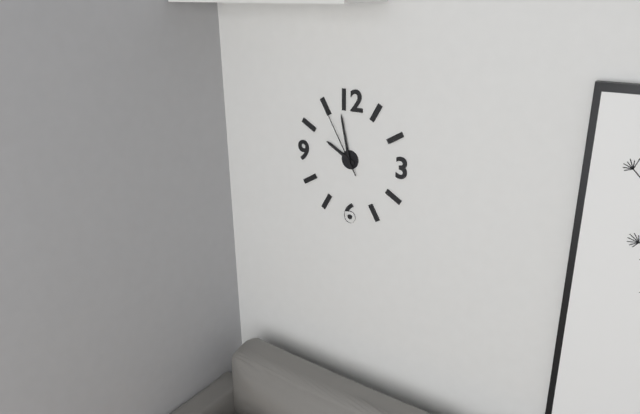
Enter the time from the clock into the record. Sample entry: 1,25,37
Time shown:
9,58,55
